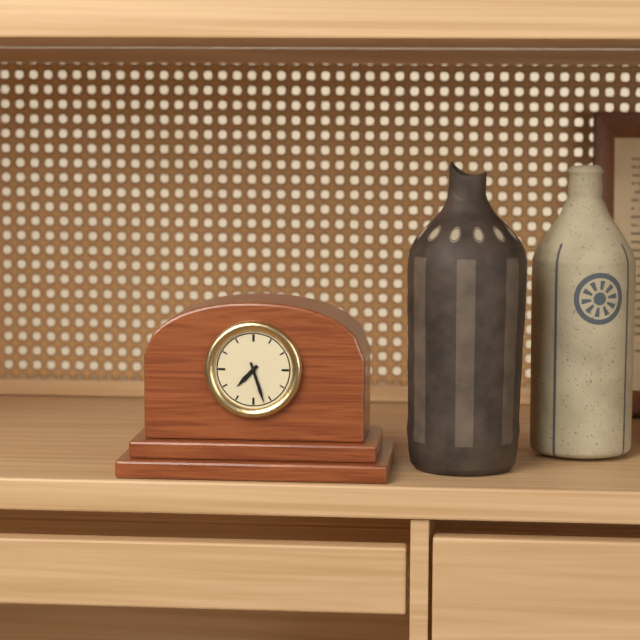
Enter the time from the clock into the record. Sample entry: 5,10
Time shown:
7,27
